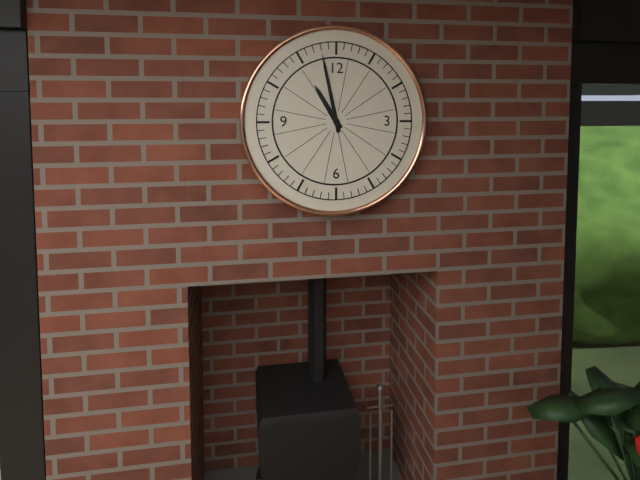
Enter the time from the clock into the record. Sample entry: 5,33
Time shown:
10,58
